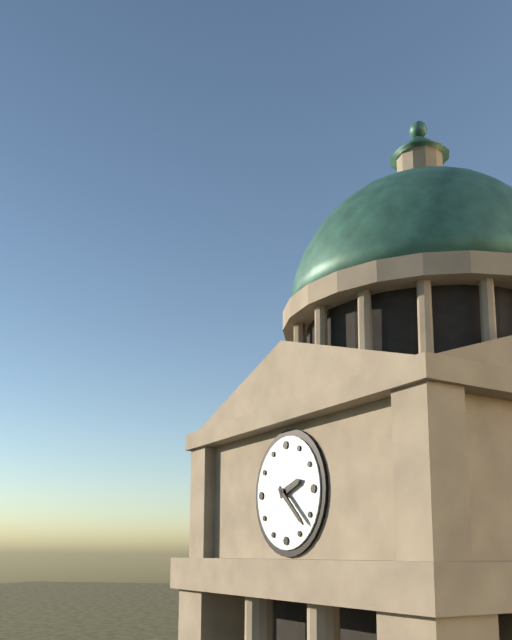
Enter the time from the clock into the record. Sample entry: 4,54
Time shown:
2,22
